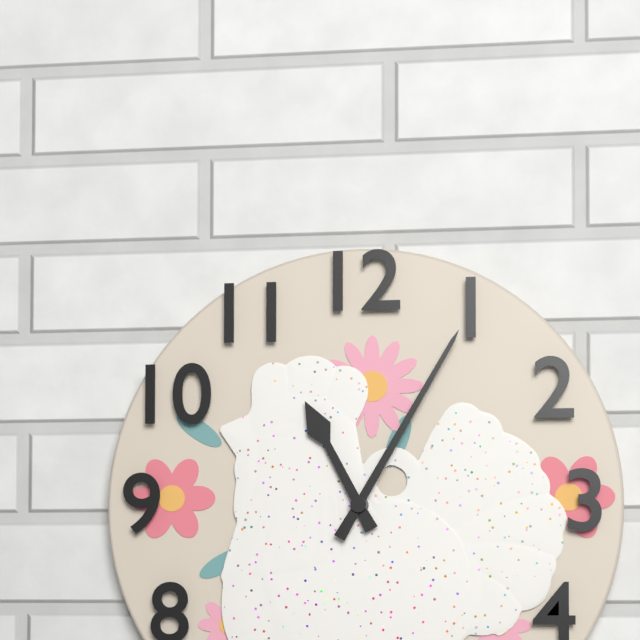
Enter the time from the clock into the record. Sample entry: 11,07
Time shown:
11,05
